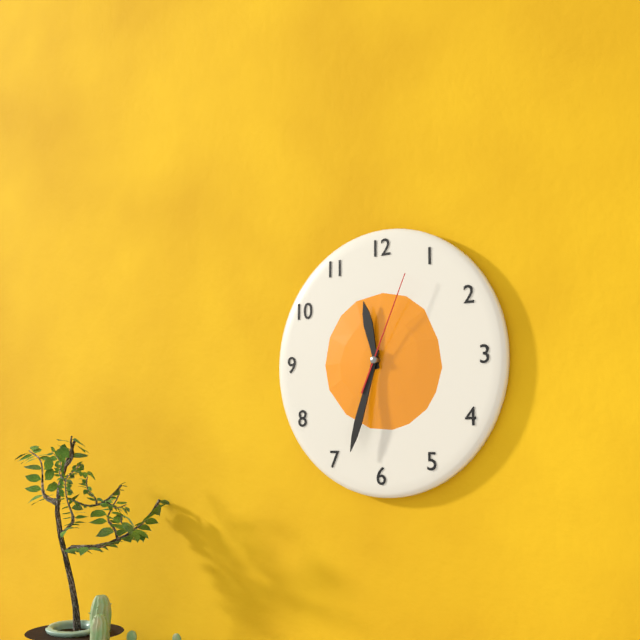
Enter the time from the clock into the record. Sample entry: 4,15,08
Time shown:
11,33,04
